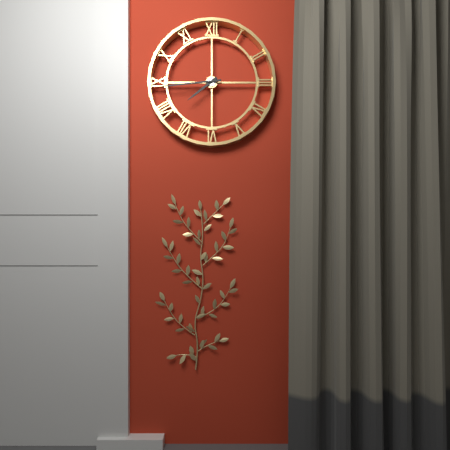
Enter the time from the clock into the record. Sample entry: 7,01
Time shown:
7,44
